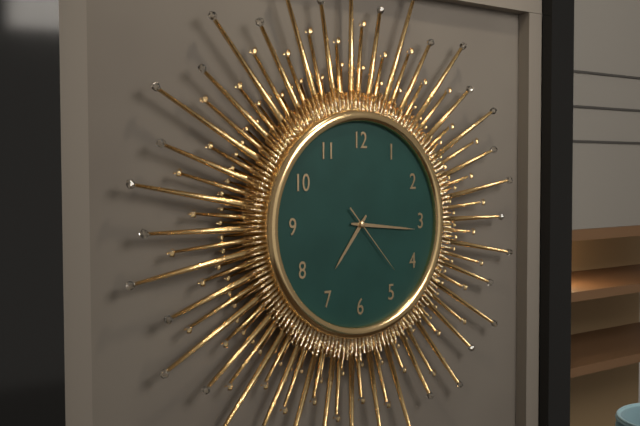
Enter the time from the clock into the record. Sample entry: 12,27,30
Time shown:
7,16,23
